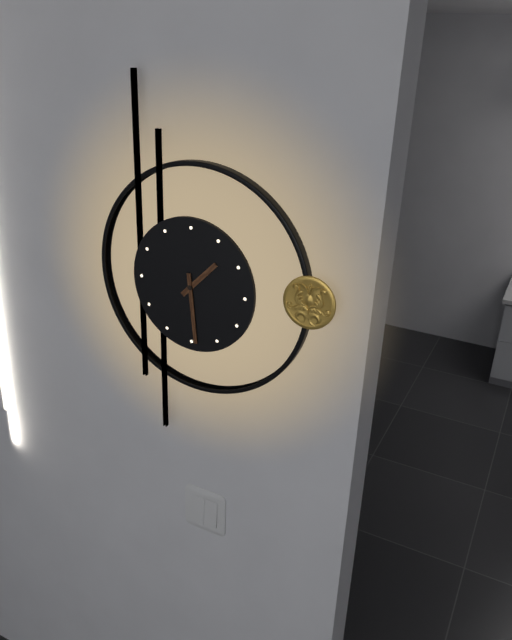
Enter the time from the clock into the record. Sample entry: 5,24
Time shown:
1,29
